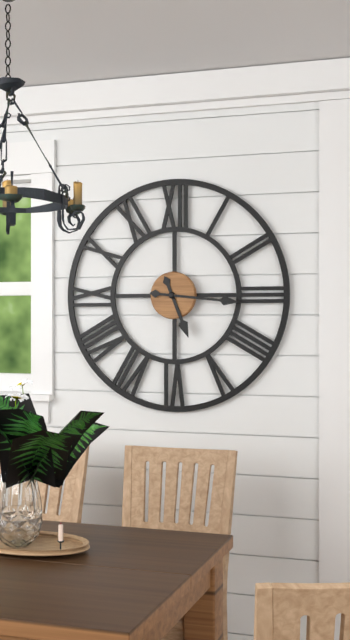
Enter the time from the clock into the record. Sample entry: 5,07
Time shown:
5,16
